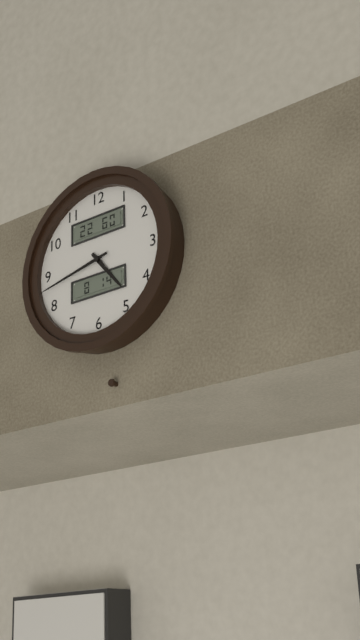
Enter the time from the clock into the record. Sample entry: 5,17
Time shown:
4,43
